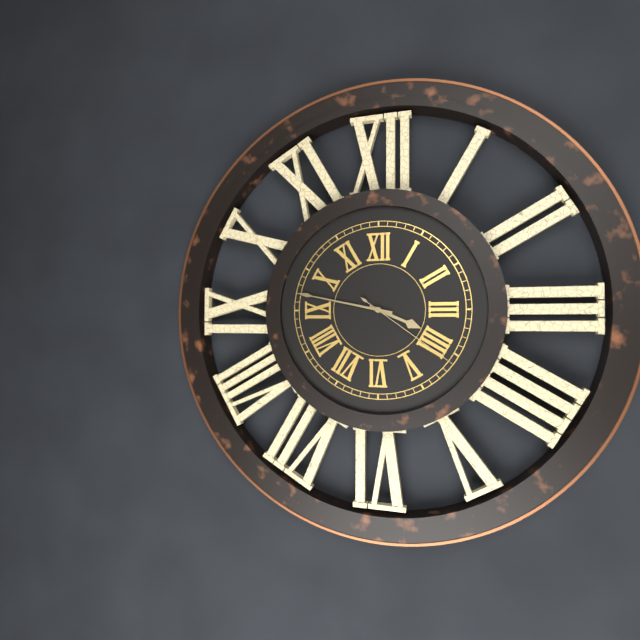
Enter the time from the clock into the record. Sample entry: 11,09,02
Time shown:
3,47,21
